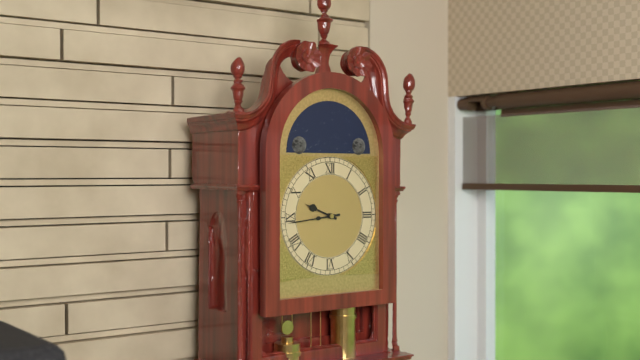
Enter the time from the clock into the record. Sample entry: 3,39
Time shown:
9,44
